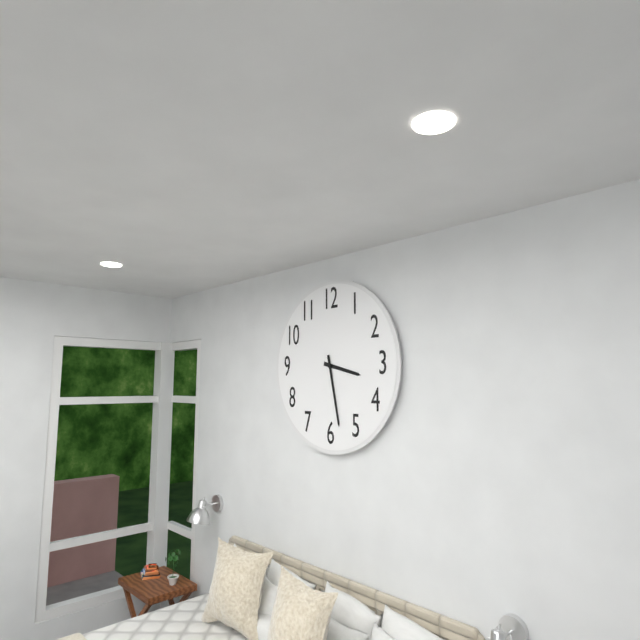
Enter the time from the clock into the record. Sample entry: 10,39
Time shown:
3,28
